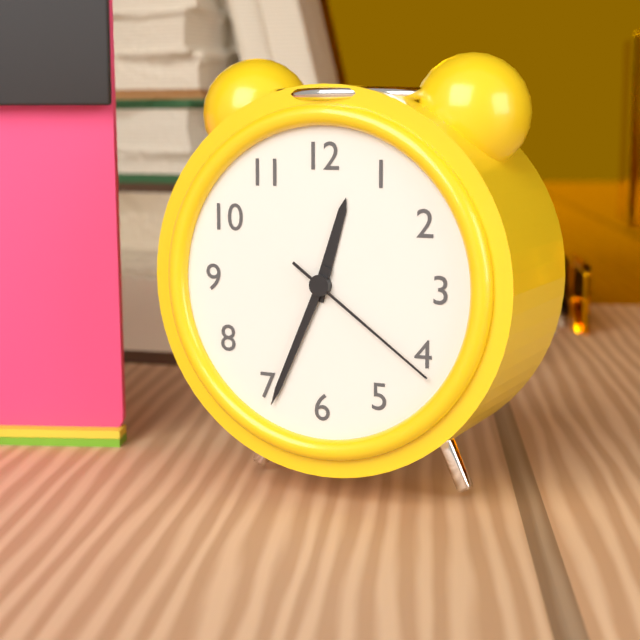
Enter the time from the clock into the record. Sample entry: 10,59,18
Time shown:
12,34,21
